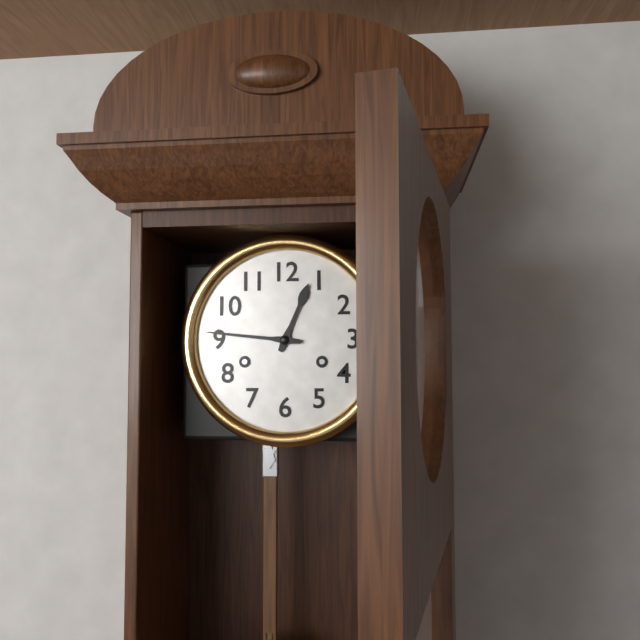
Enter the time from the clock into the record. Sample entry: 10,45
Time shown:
12,46
